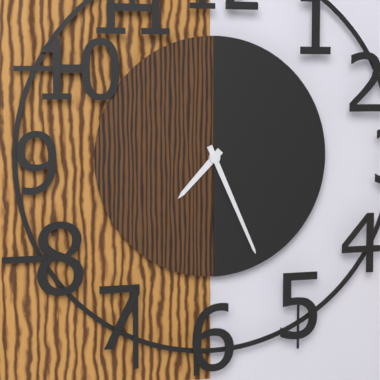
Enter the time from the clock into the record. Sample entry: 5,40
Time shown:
7,26
